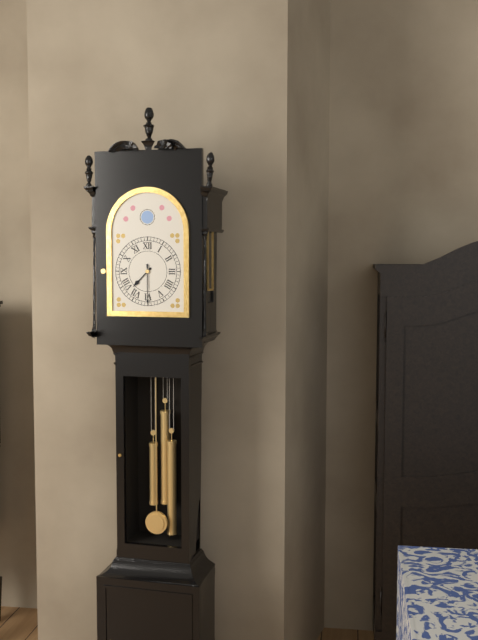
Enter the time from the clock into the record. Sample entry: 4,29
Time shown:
7,30
